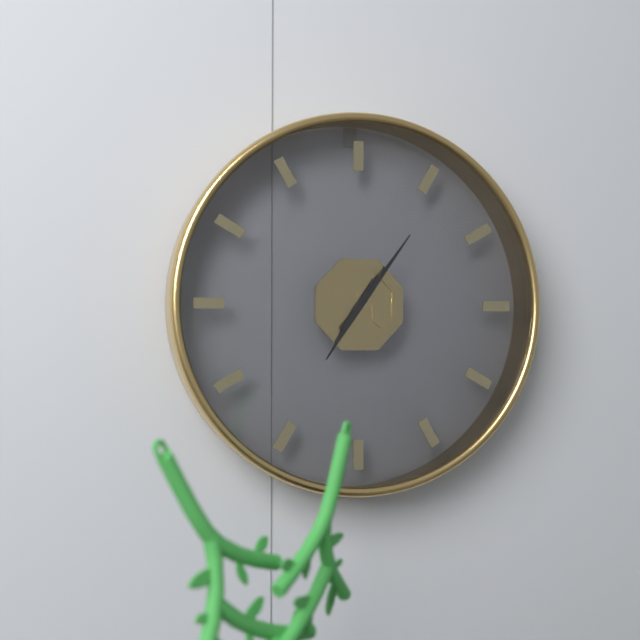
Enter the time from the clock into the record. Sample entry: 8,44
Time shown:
7,06
